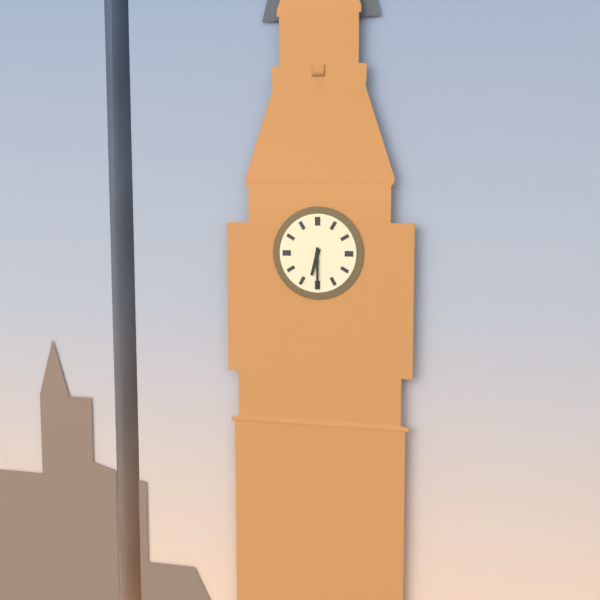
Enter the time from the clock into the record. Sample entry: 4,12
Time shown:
6,30
